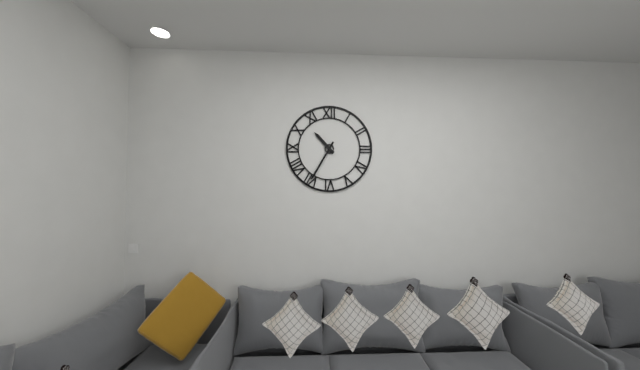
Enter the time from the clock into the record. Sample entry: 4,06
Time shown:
10,35
